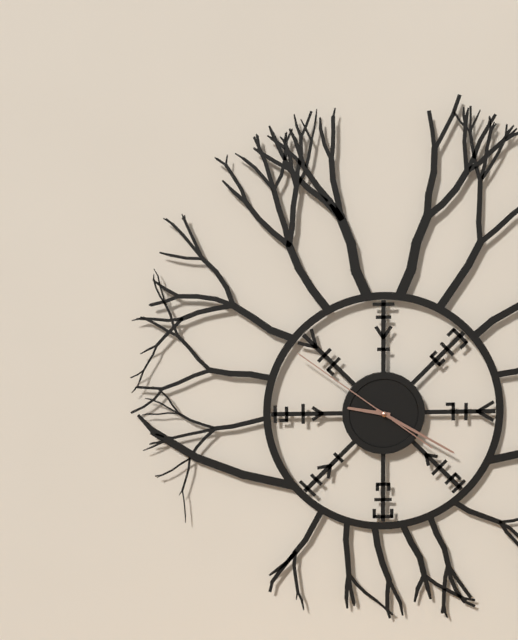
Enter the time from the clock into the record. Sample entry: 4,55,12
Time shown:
9,20,51
